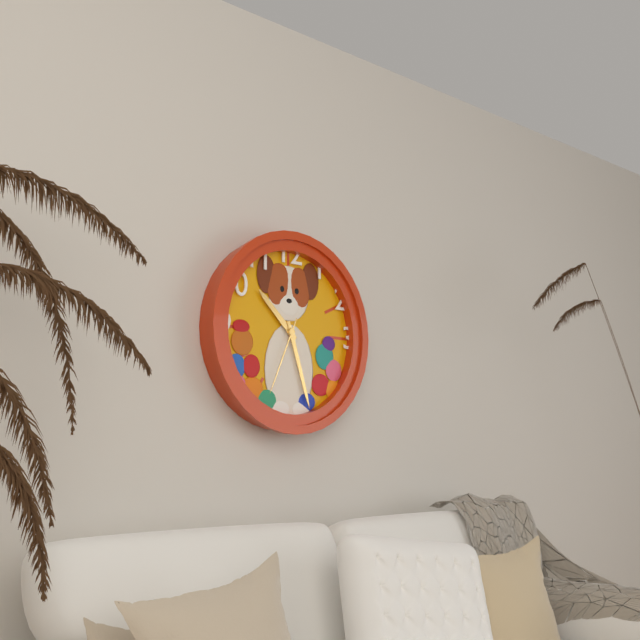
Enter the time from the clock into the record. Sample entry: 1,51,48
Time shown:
10,27,34
